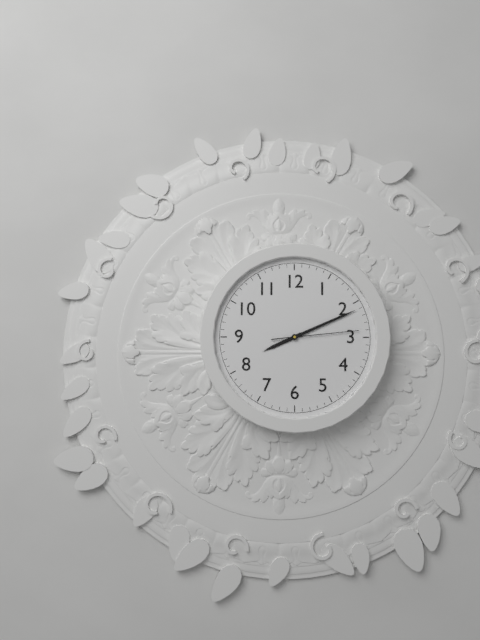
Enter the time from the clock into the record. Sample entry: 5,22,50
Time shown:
8,11,14
